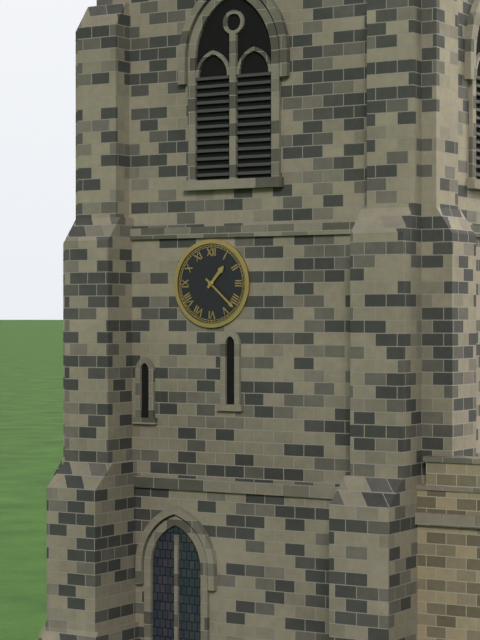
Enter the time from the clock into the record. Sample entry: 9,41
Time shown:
1,22
